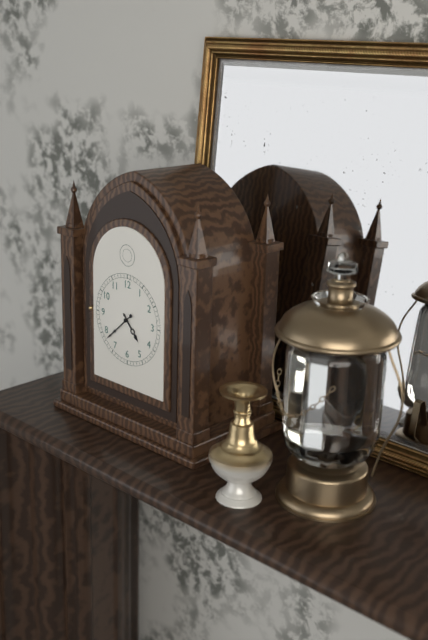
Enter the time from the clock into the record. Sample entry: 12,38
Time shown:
4,38
